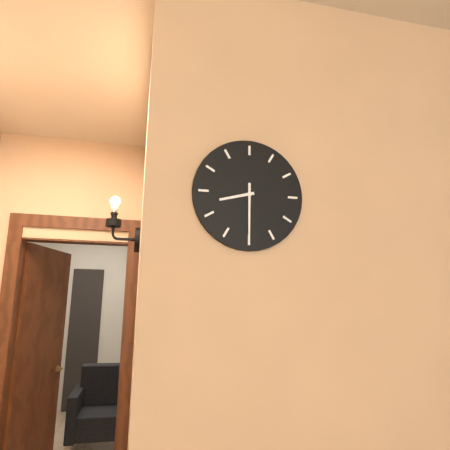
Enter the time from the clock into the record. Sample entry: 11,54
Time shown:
8,30
